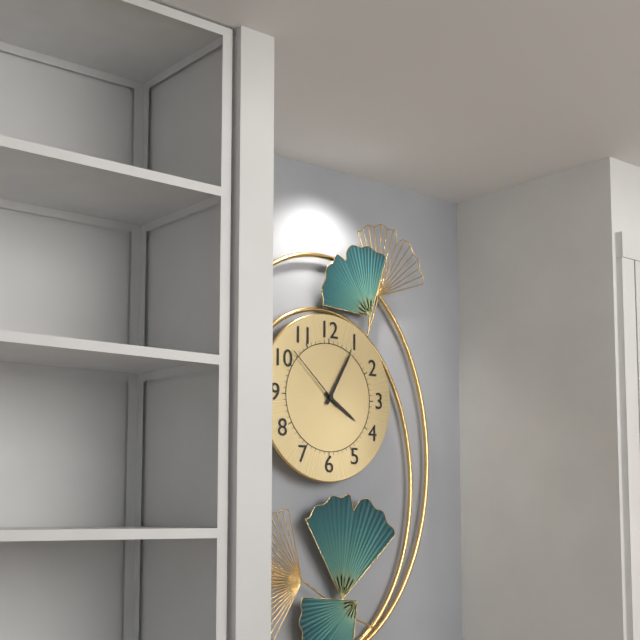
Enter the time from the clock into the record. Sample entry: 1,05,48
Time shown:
4,05,52
